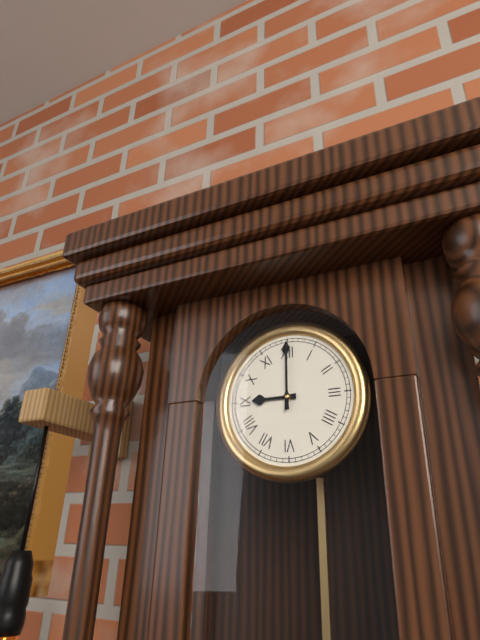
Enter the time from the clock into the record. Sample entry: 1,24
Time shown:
9,00
